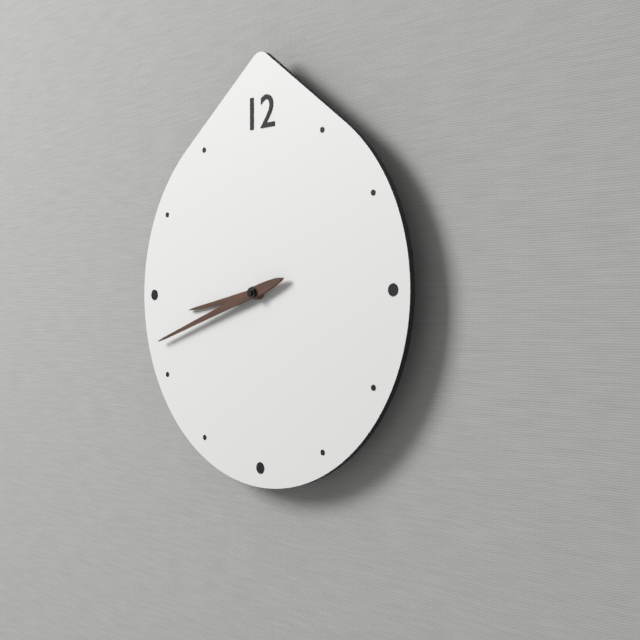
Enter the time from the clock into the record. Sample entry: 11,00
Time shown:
8,42
